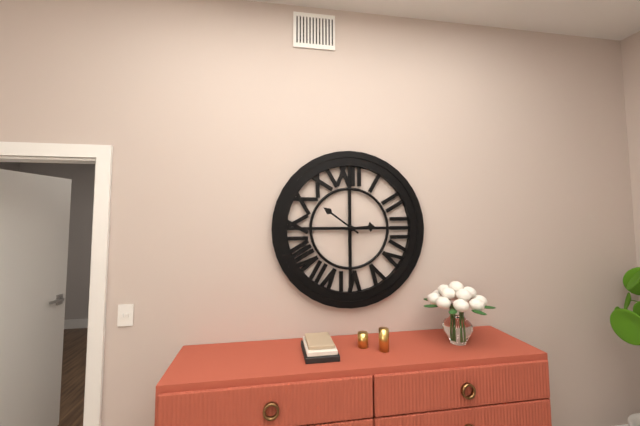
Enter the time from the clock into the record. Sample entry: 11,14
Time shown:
2,51
